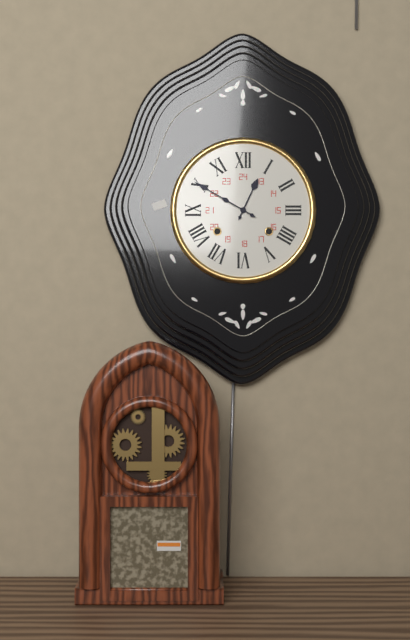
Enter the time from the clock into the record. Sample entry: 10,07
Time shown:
12,50
